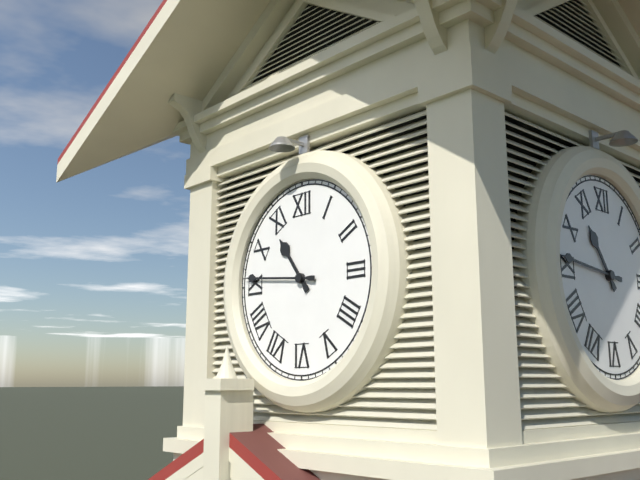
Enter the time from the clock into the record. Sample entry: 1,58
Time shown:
10,46
